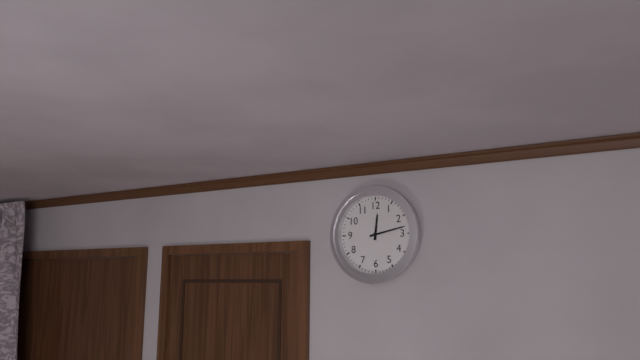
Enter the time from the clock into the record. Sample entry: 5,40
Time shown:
12,13
